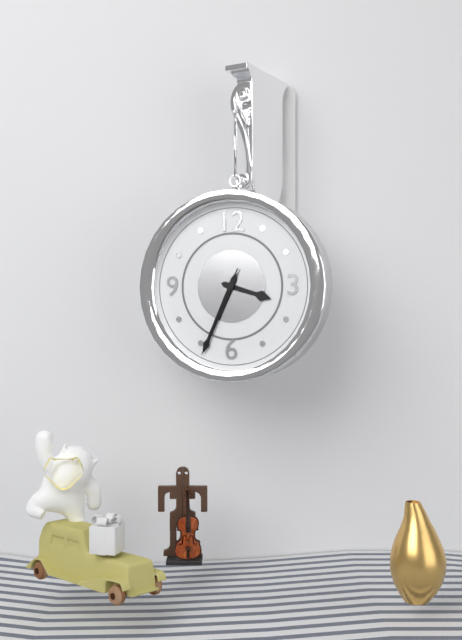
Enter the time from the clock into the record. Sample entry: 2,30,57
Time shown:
3,34,34
